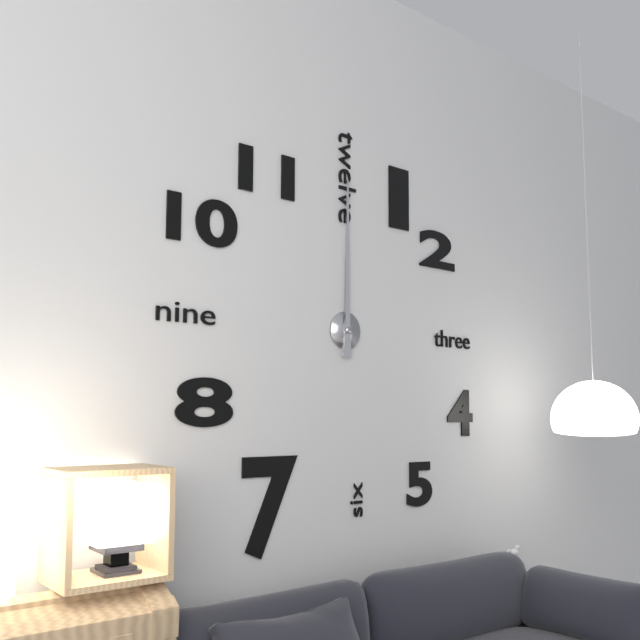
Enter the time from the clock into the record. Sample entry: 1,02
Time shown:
12,00
